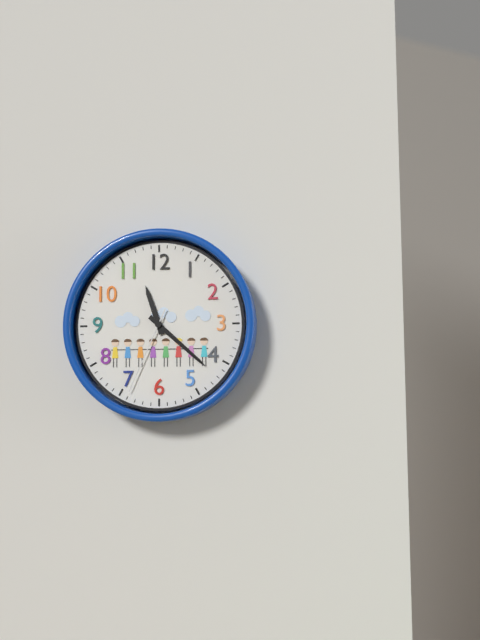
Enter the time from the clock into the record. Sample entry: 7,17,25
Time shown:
11,22,34
